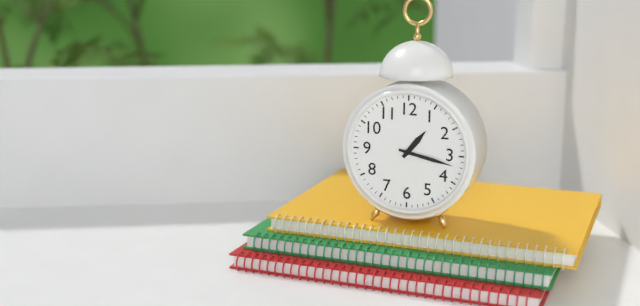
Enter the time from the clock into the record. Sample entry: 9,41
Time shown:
1,17
